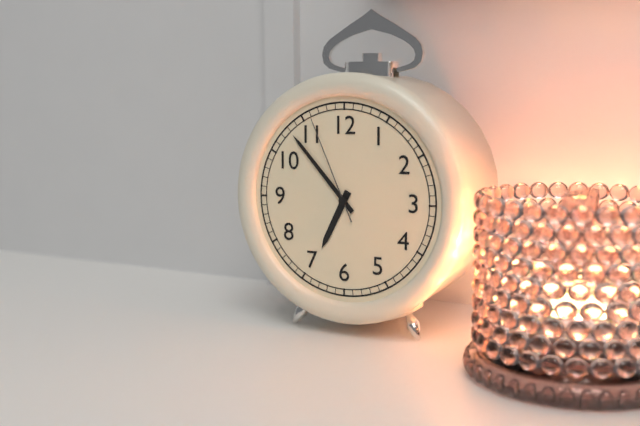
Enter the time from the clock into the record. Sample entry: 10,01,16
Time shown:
6,53,56
